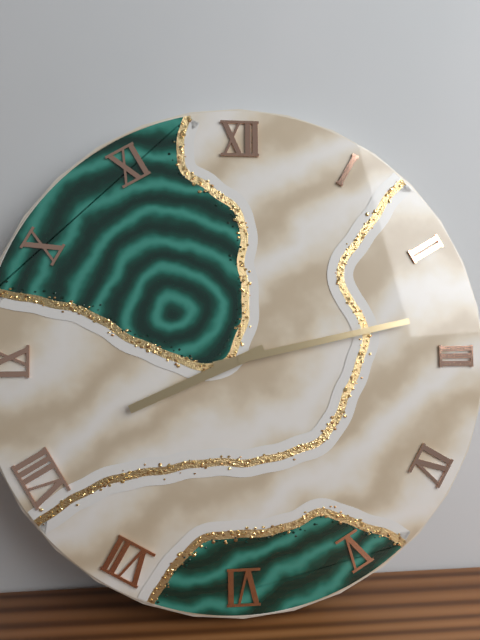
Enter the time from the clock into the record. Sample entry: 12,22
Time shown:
8,13
